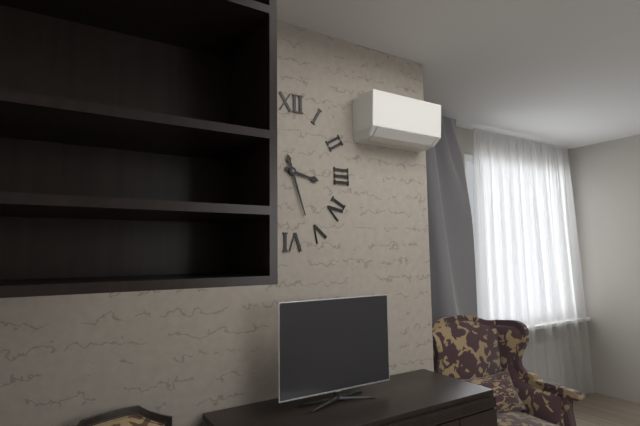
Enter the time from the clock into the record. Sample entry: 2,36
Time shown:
3,27
